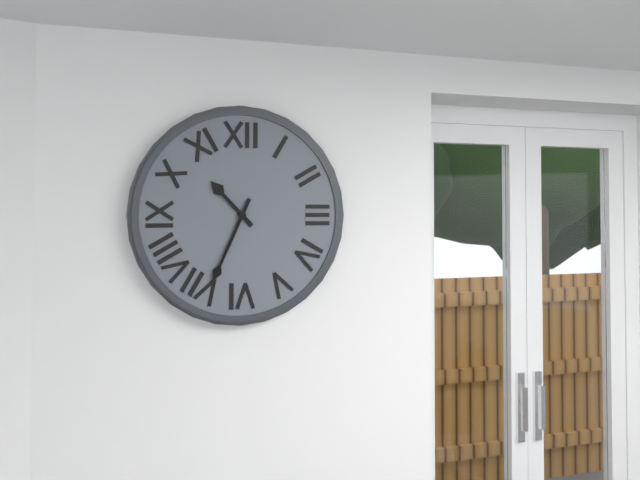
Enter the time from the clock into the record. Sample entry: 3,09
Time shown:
10,34
